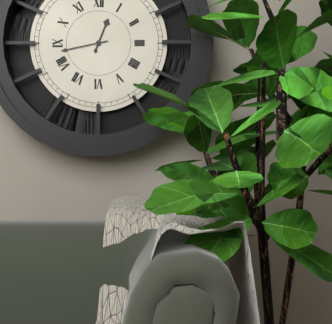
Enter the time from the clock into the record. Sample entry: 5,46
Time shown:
12,43
